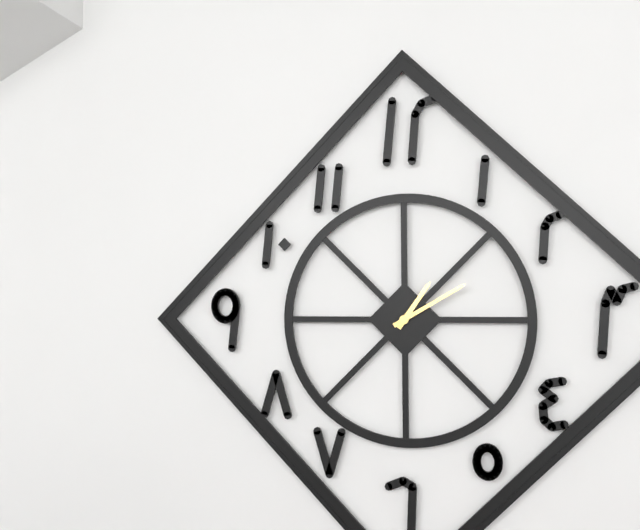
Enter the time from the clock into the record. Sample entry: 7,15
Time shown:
1,10
